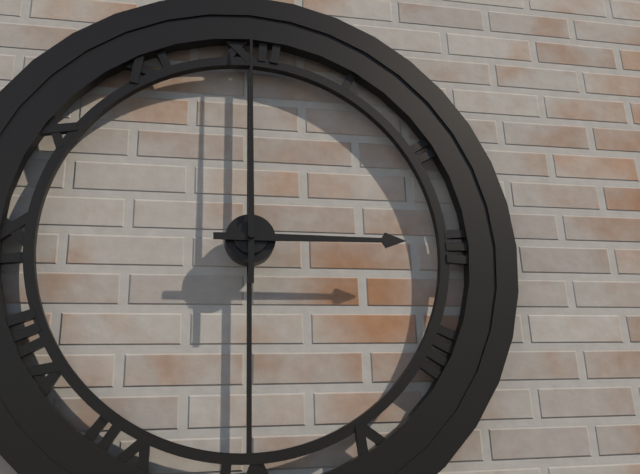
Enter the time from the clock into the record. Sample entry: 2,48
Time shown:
3,00
